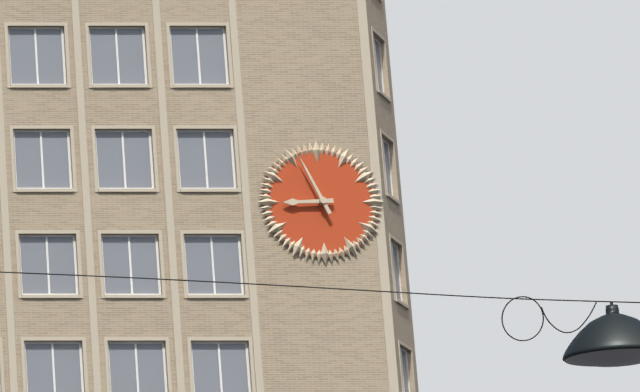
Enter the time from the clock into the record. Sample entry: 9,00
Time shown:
8,56
